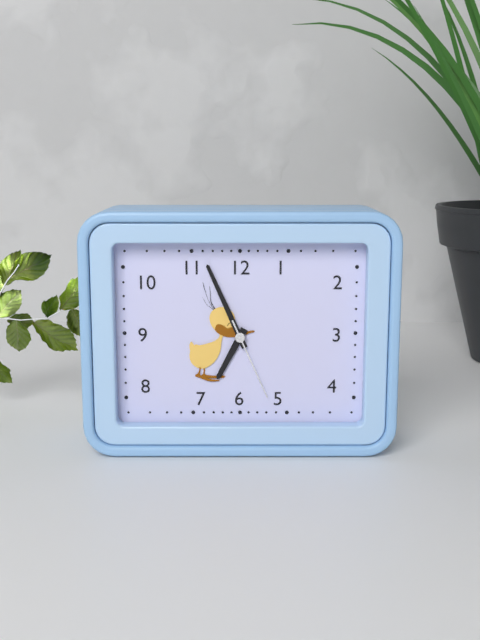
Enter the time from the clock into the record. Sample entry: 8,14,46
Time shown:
6,56,26
